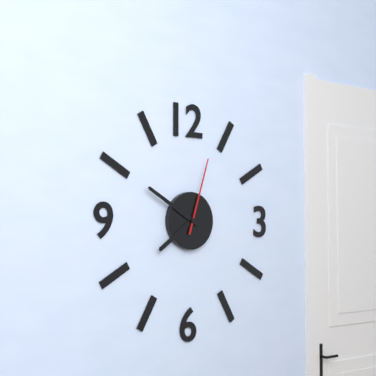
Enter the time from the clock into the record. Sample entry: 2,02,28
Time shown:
7,50,03
